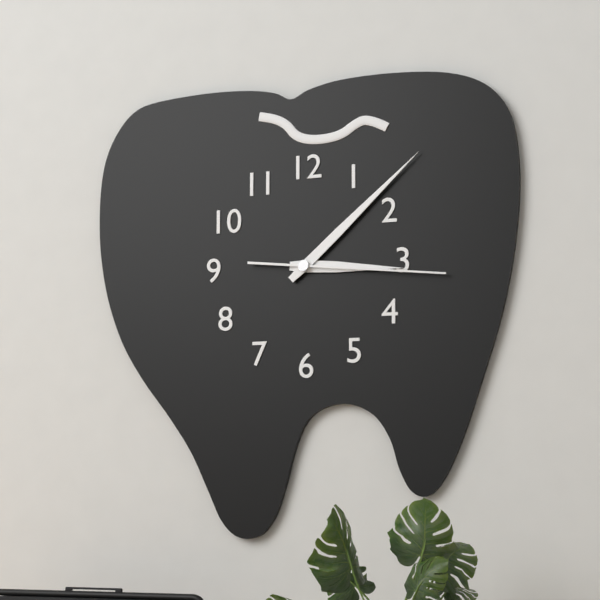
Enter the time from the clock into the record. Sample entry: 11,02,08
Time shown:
3,08,16
